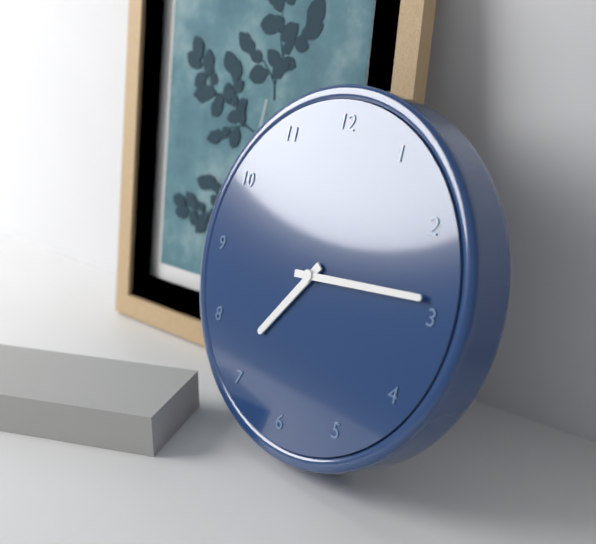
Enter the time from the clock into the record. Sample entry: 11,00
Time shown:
7,14
